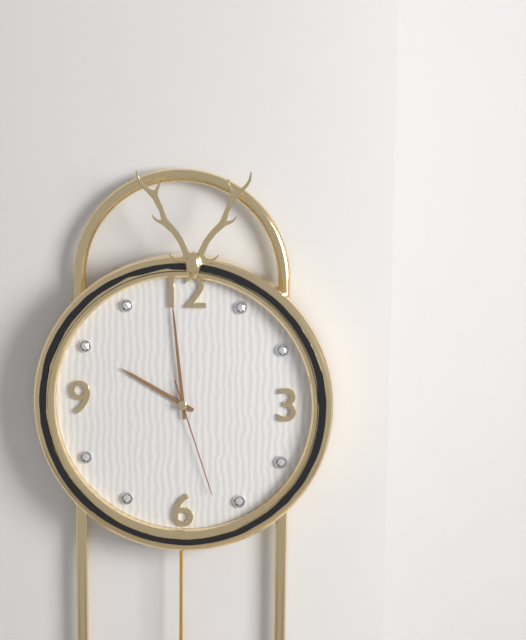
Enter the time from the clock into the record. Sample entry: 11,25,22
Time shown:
9,59,27
